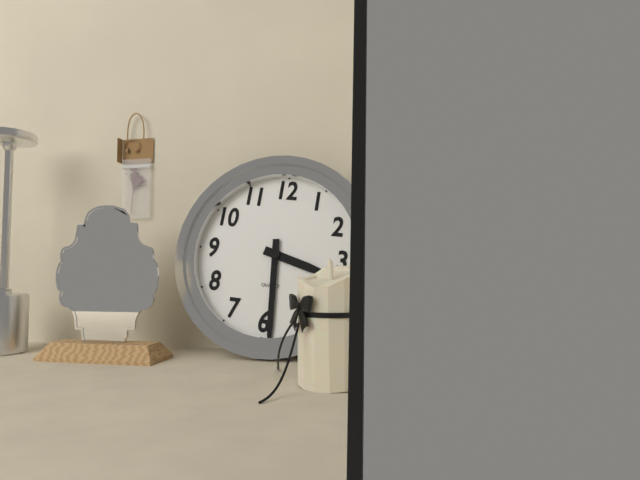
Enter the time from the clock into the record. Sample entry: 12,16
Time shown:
3,29
